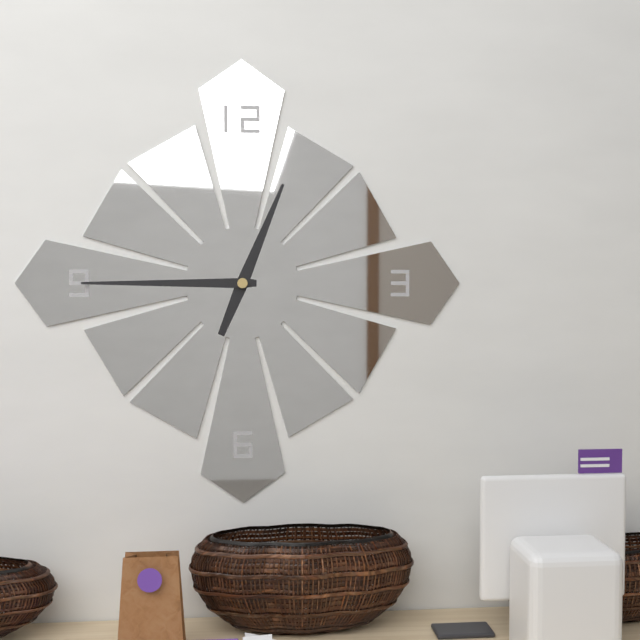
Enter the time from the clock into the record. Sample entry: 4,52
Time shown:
12,45
